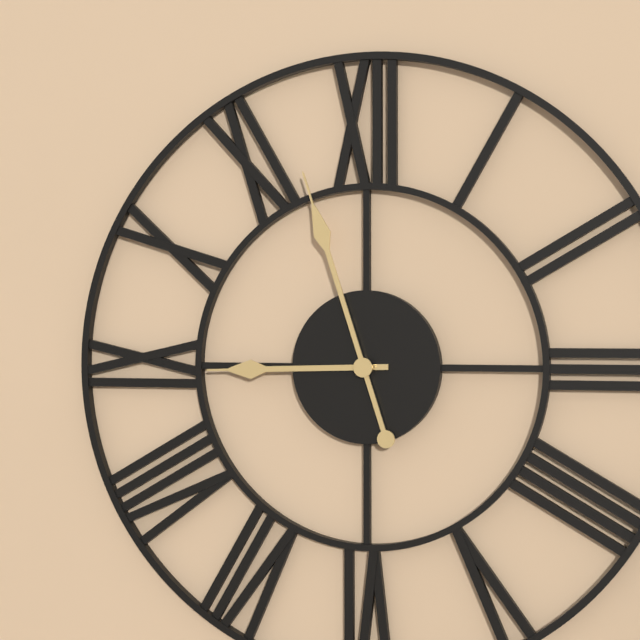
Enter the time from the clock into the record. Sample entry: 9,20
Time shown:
8,57
